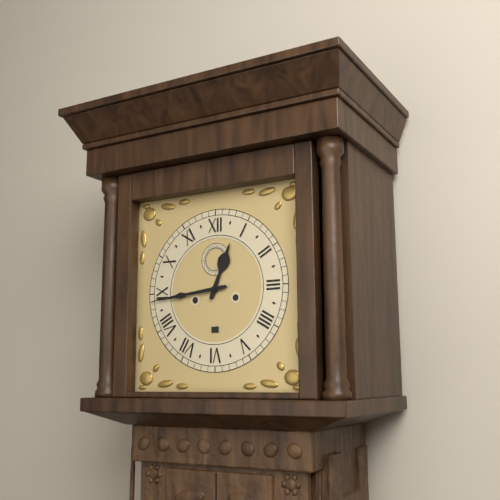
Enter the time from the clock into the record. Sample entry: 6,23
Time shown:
12,44
